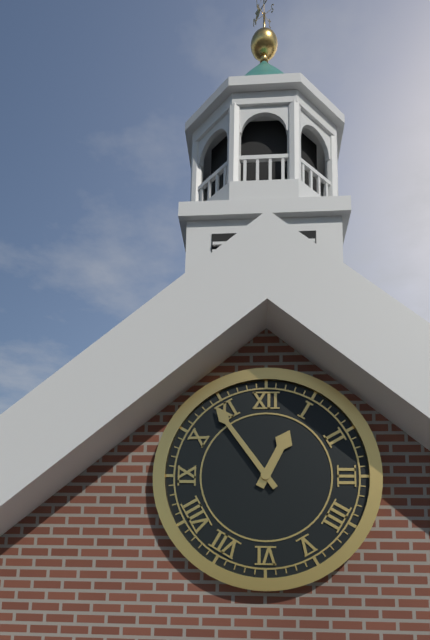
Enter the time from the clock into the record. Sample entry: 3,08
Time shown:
12,54
